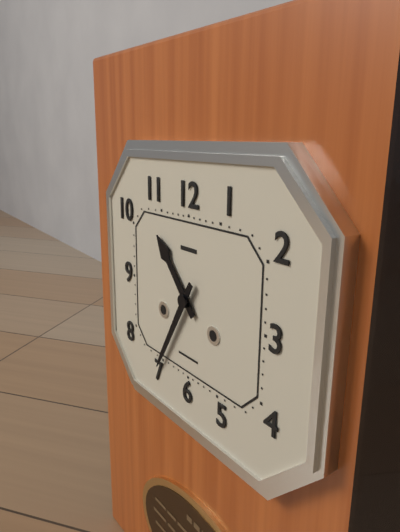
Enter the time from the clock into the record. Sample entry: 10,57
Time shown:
10,35
